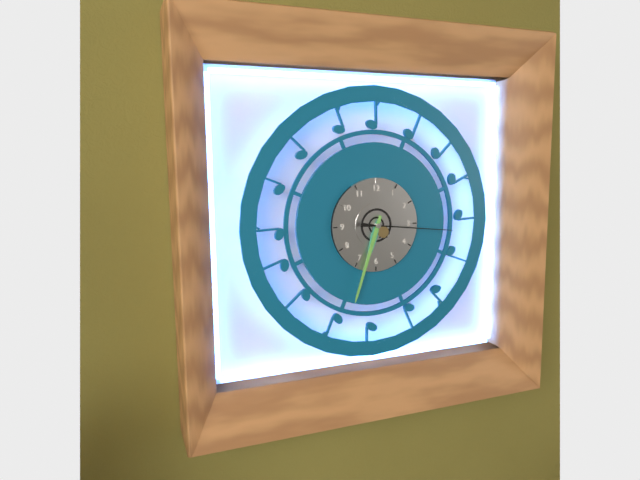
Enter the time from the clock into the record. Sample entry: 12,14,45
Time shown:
6,33,16
